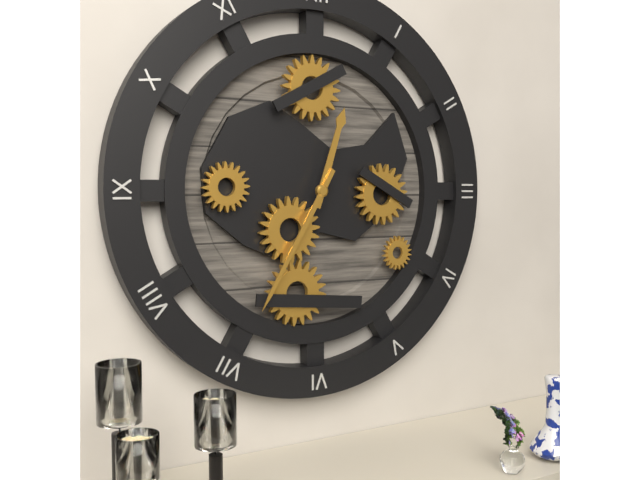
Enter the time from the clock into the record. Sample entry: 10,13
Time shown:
12,35
